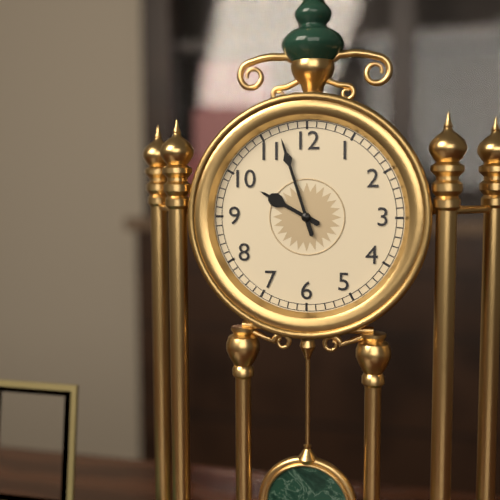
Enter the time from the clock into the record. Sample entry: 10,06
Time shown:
9,57
